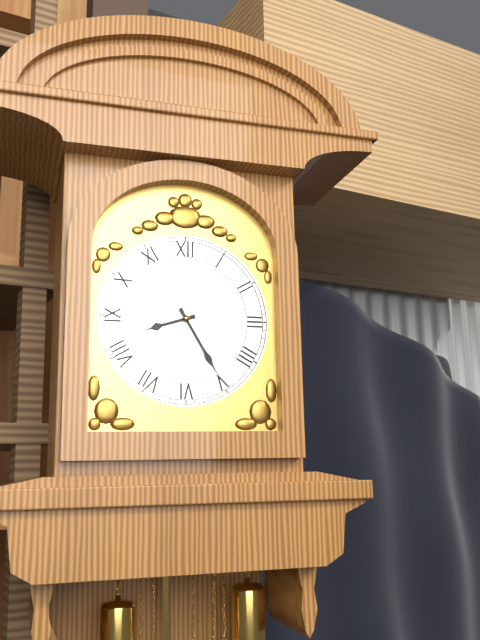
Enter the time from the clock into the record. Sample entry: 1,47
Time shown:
8,25
